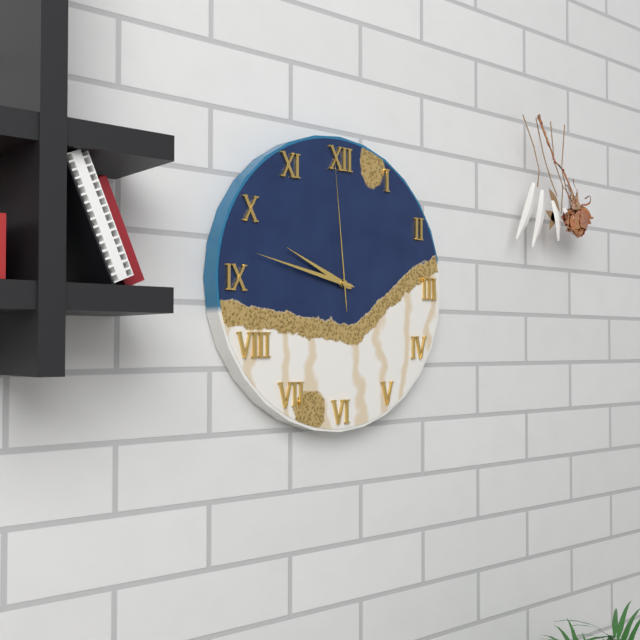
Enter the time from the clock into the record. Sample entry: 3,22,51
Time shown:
9,47,59
